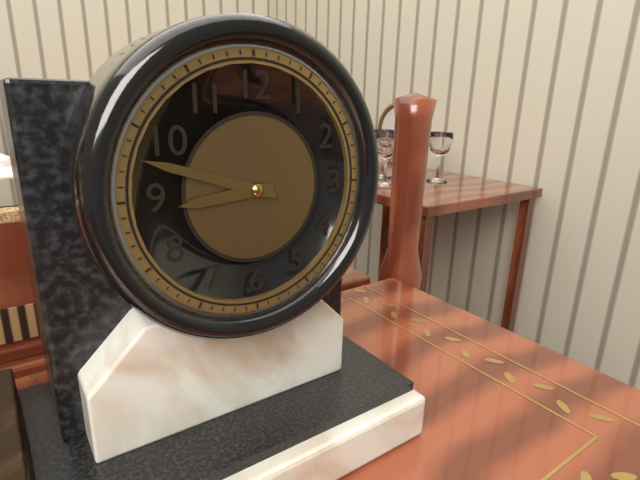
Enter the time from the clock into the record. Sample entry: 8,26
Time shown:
8,48
